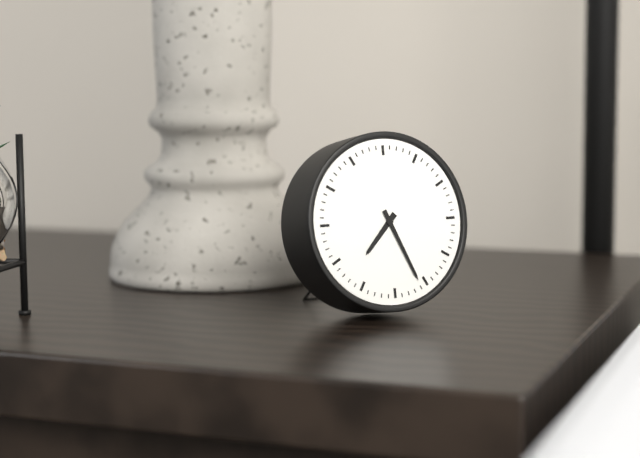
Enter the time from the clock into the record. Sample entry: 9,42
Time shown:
7,26
